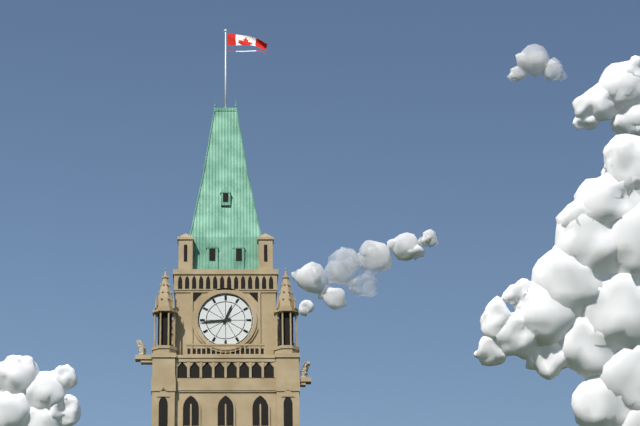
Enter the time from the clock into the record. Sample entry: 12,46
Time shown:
12,44
